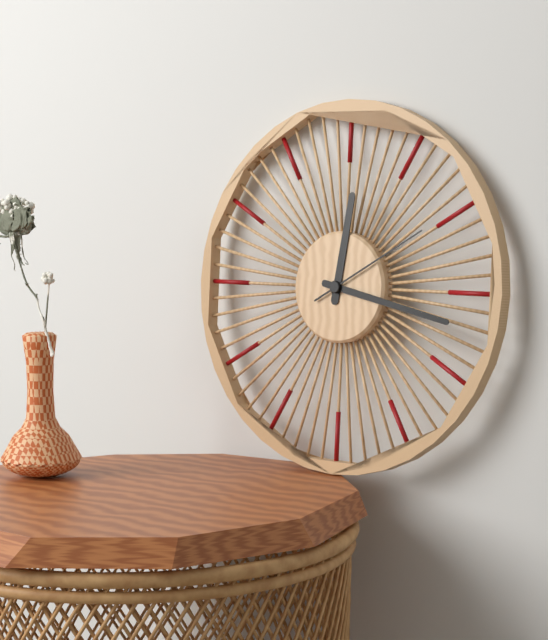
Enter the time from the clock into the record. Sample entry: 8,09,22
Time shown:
12,17,10
